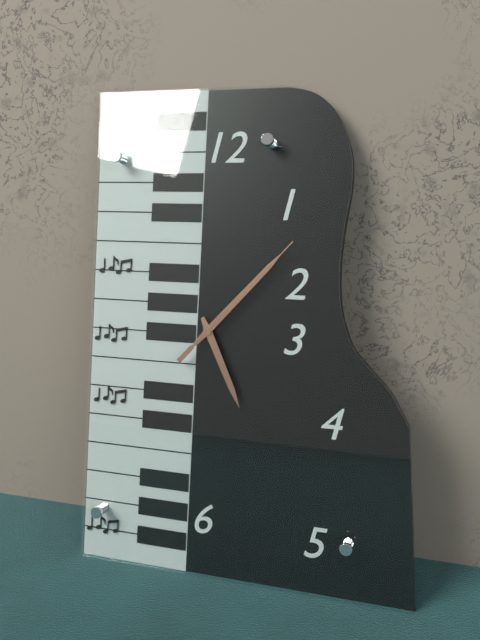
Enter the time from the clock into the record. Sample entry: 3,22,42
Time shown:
5,07,07
